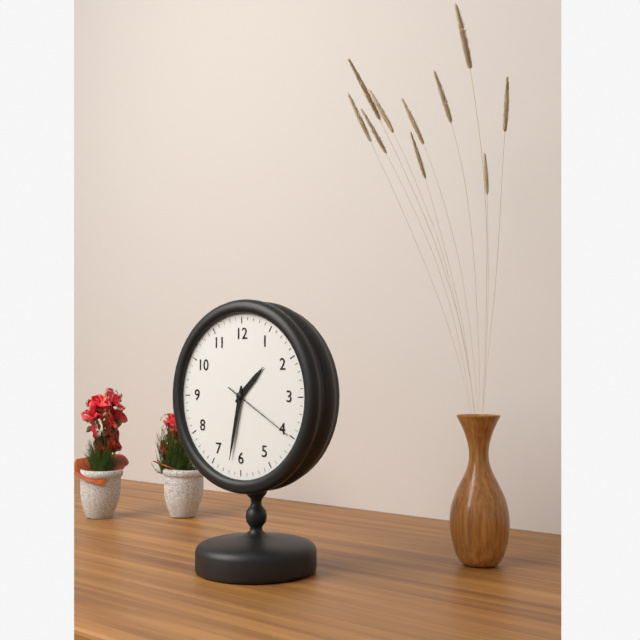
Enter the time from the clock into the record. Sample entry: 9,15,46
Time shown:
1,32,20
